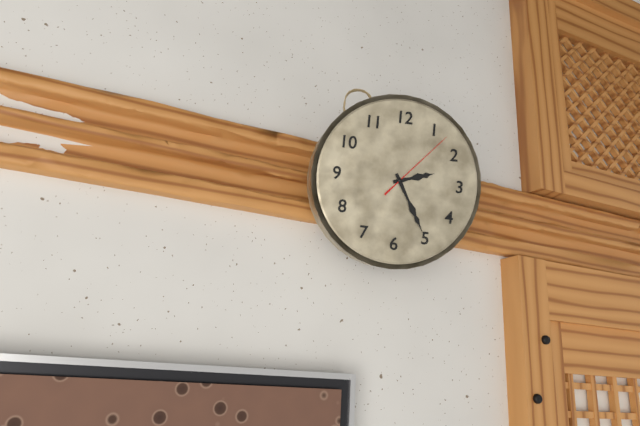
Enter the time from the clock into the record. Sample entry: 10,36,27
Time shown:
2,25,07
